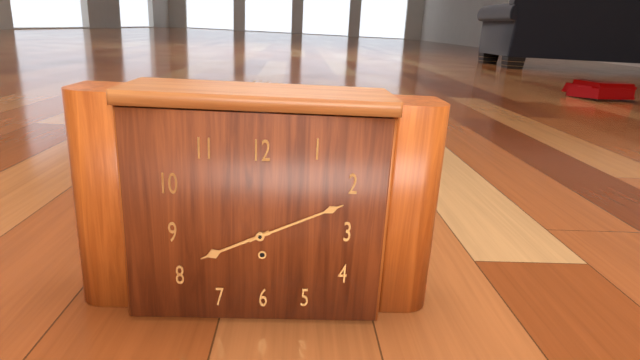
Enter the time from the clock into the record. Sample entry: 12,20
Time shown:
8,11
